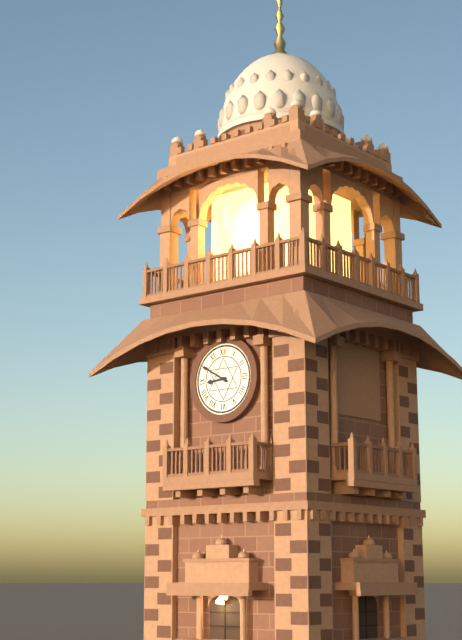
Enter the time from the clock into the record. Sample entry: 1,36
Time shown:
8,50
